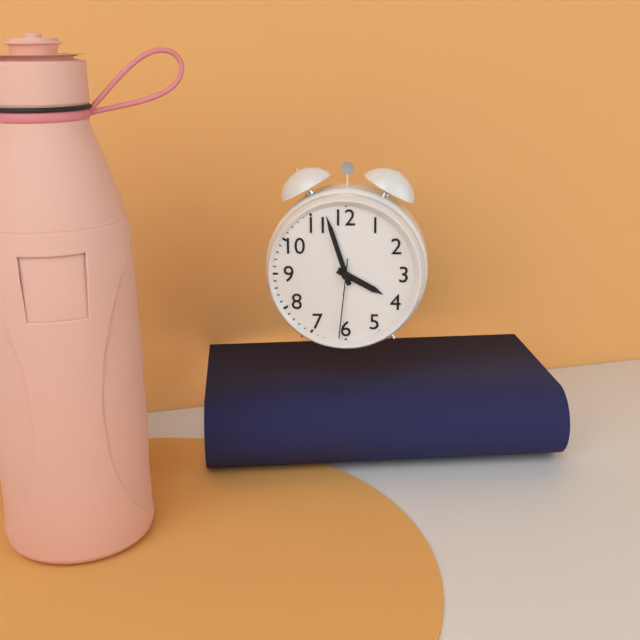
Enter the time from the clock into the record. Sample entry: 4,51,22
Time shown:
3,57,31
